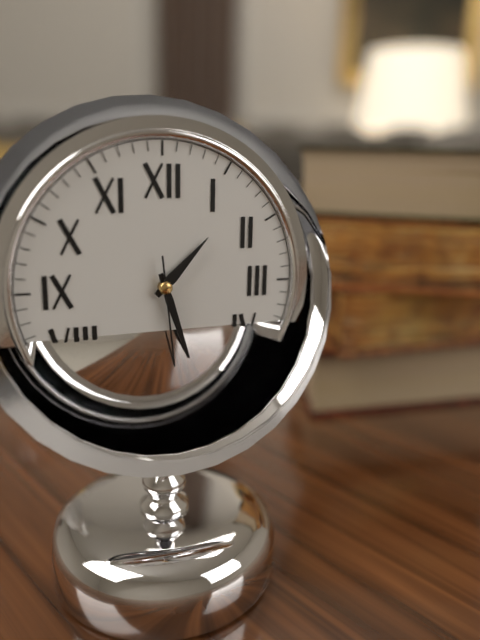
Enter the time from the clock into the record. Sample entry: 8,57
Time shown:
1,27
